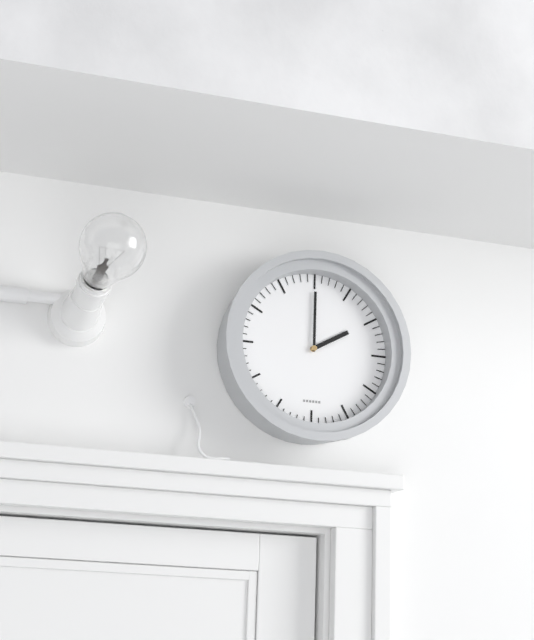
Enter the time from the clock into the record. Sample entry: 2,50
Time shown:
2,00
